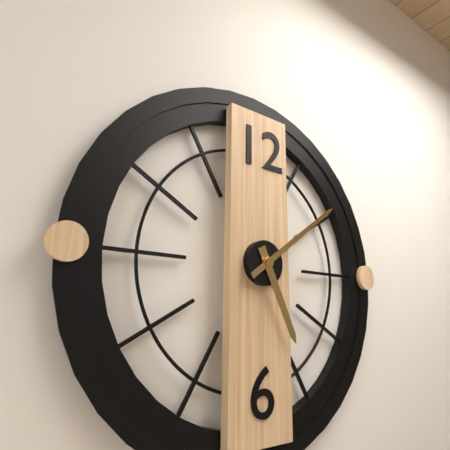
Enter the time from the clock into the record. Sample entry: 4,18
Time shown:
5,09
